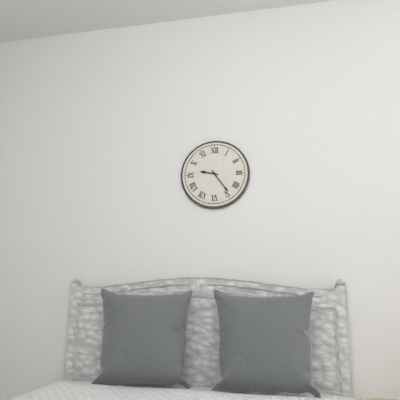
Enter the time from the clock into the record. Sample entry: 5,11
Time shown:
9,24
